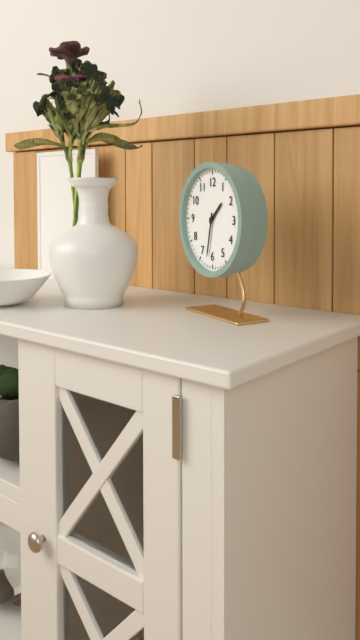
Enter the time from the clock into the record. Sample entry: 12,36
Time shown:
1,32
